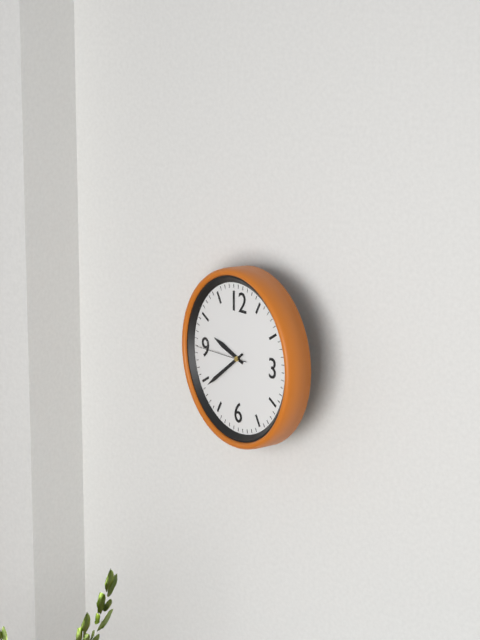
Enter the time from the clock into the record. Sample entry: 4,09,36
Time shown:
9,39,45
